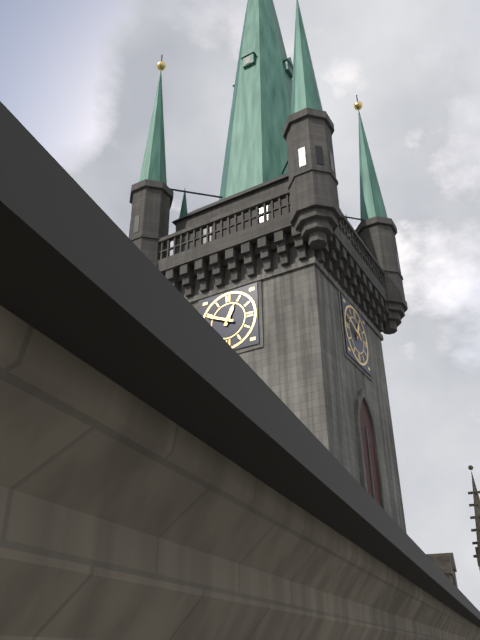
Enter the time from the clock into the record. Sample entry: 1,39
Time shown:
12,49
